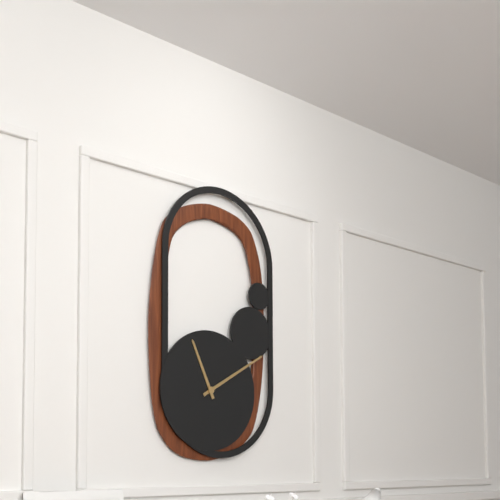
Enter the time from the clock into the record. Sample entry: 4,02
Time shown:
11,10
